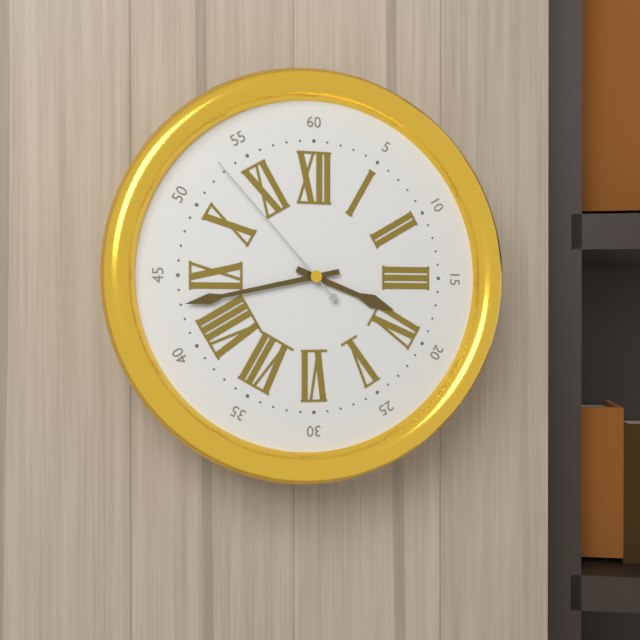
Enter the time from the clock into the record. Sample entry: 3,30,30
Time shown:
3,43,53
